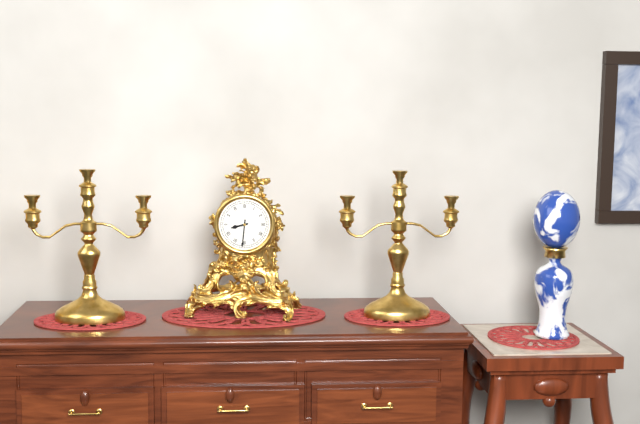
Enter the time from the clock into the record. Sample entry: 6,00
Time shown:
8,31
